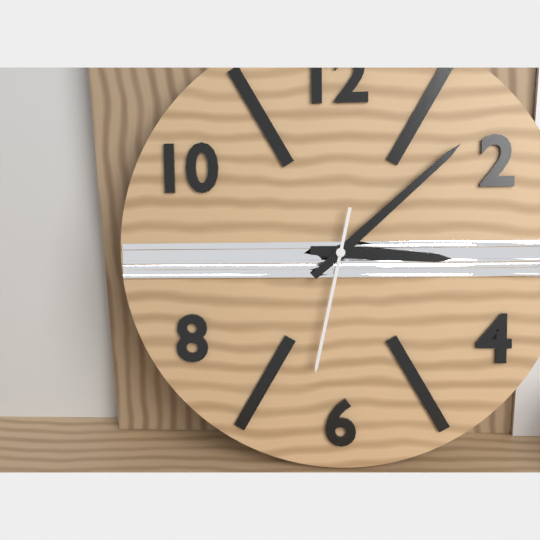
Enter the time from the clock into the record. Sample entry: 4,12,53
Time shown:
3,08,32
